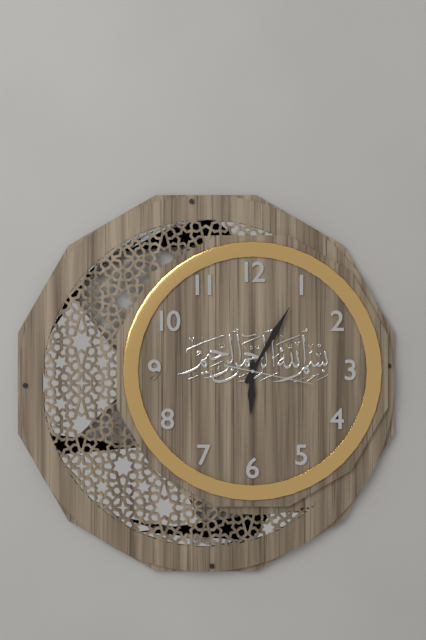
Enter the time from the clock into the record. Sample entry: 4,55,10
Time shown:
6,05,17
